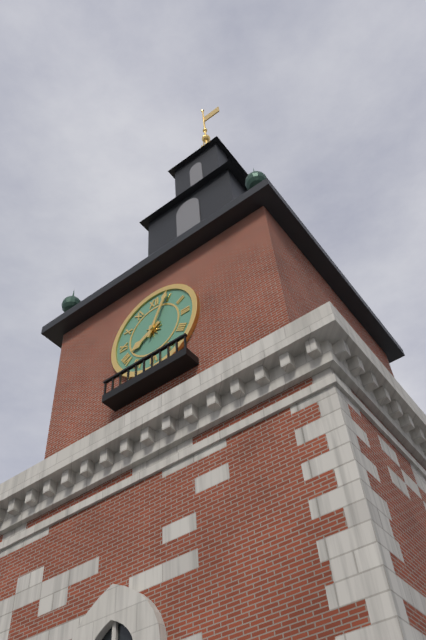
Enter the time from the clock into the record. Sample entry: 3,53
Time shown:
8,04
